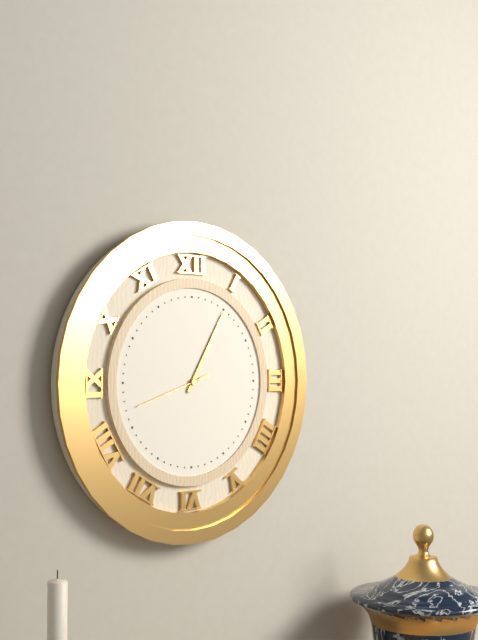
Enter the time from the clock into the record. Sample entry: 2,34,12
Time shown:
1,05,42
